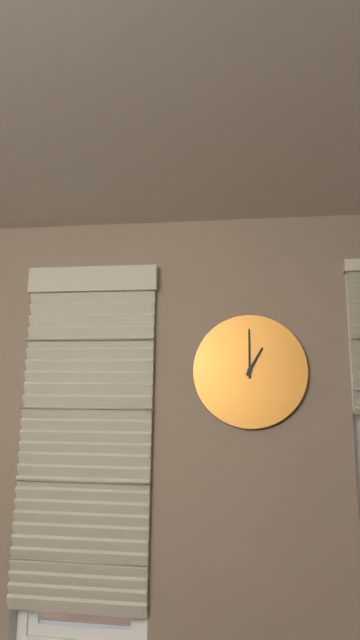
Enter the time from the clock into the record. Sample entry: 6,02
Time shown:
1,00
